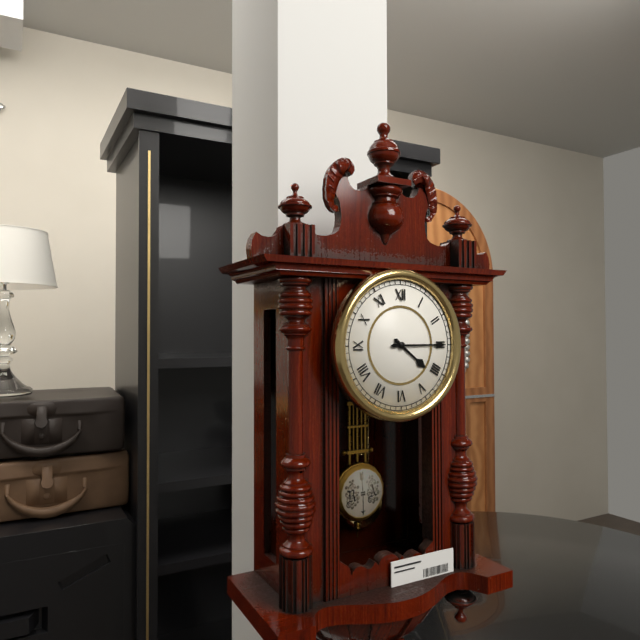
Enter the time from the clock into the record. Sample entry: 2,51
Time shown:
4,15
